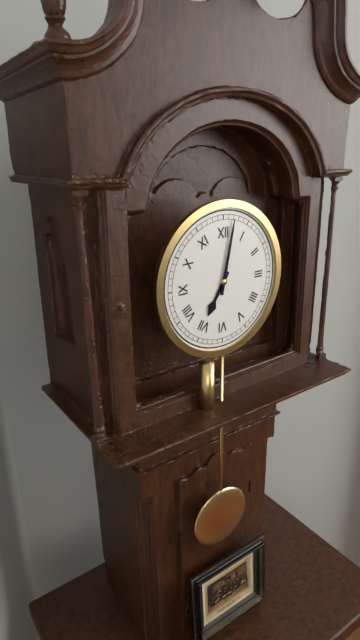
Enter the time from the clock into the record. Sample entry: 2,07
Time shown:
7,02
